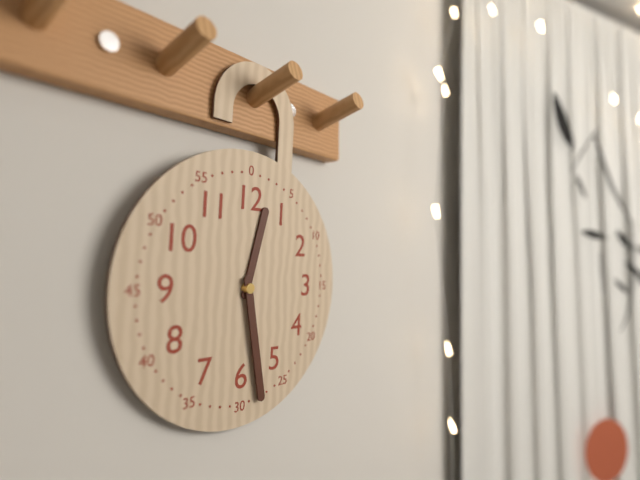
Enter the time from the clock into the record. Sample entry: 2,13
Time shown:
12,28
